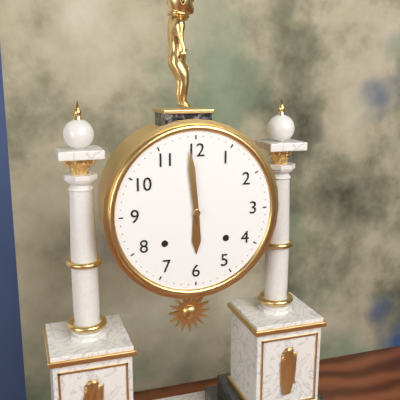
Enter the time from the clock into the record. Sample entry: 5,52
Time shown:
5,59
